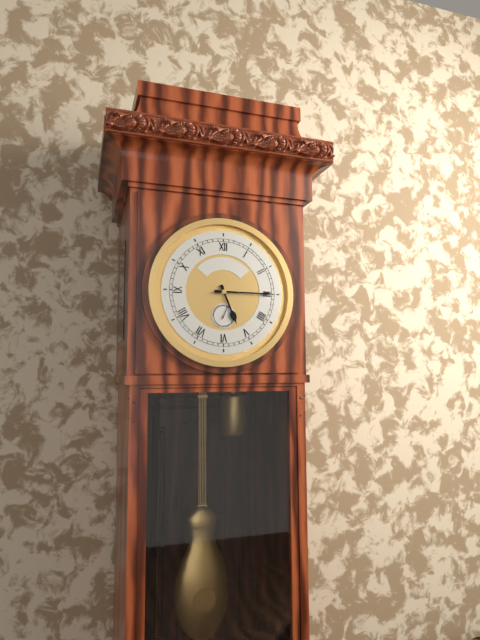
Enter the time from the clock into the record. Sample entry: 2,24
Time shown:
5,15
